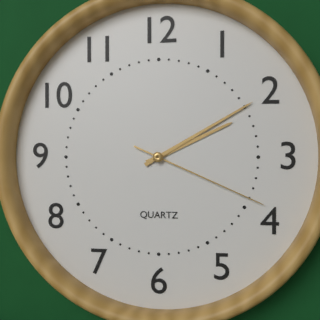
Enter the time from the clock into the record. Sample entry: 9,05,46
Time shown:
2,10,19
